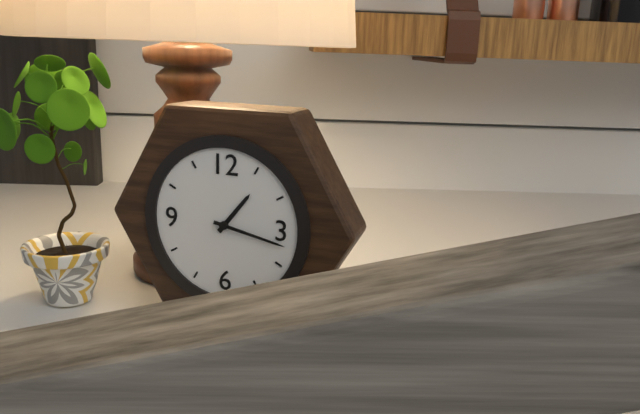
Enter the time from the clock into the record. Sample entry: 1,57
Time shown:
1,17
